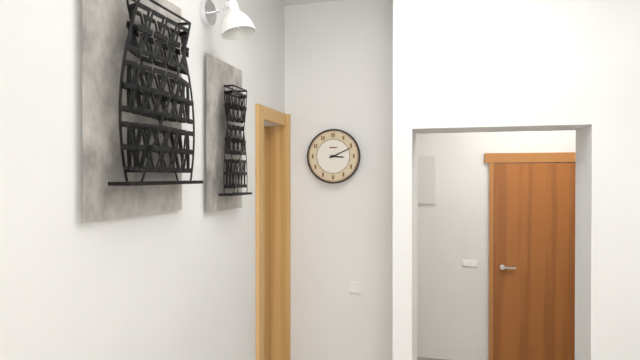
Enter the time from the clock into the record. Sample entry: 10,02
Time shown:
3,11
